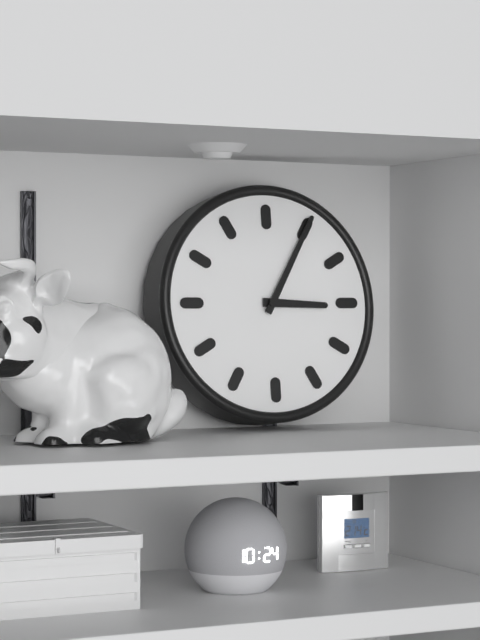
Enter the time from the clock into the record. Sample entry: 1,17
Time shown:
3,05
